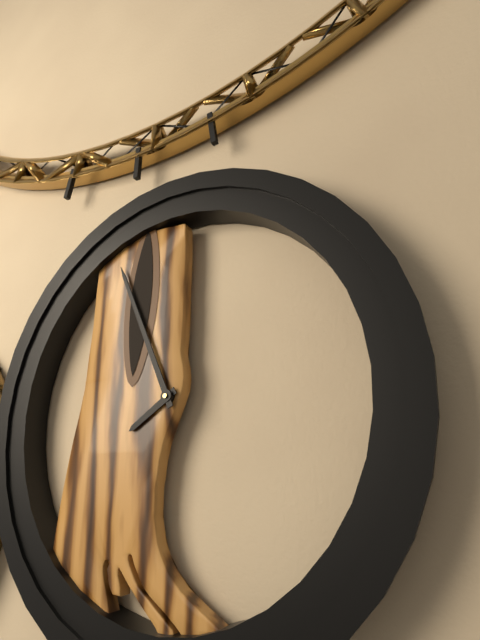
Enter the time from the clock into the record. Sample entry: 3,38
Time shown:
7,56
